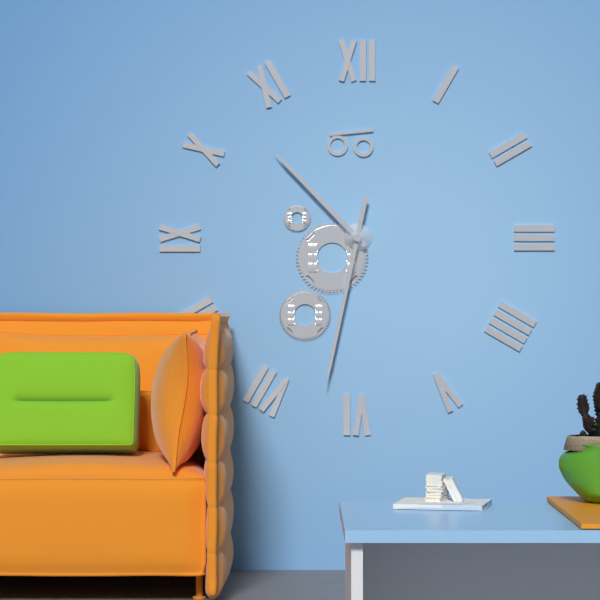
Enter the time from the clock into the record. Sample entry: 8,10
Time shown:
10,32
